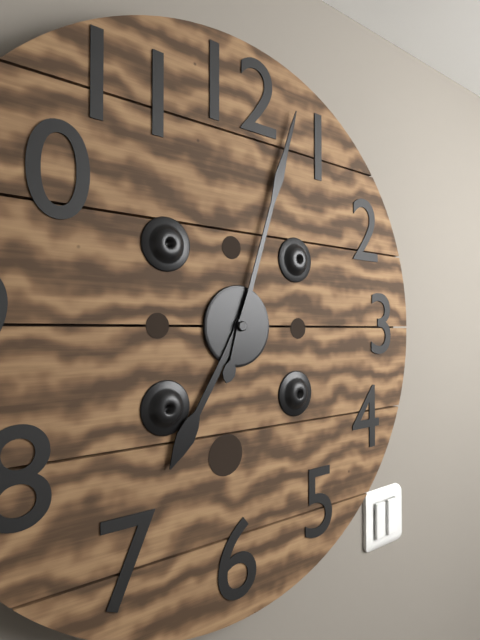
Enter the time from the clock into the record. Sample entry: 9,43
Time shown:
7,03
